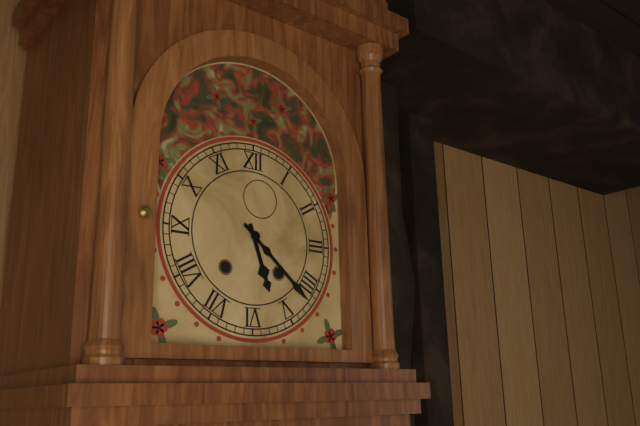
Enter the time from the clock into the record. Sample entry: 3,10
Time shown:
5,22
